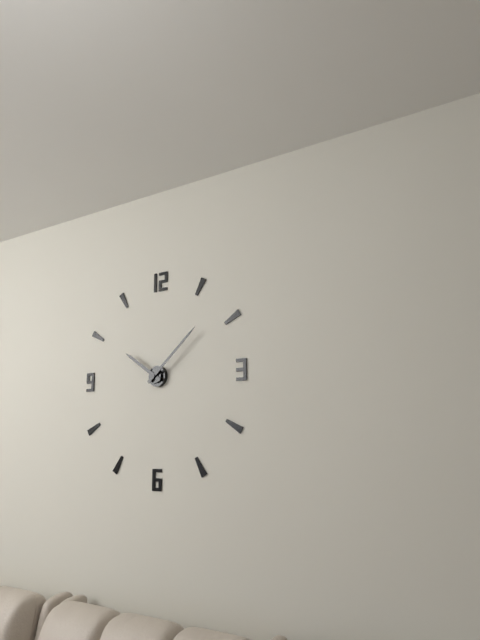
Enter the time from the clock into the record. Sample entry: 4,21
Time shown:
10,08
